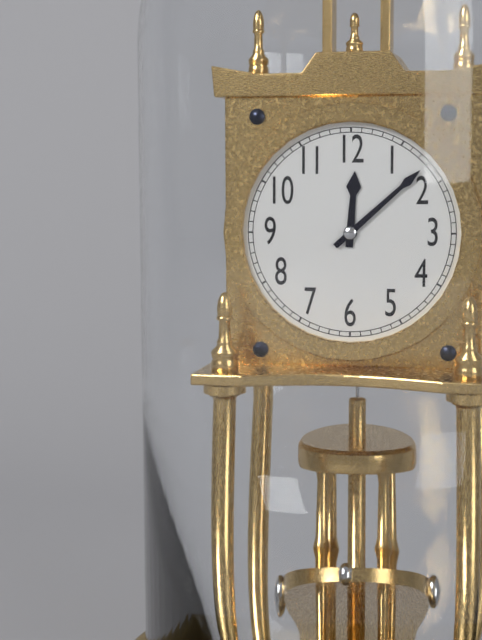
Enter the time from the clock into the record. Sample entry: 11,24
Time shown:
12,08
